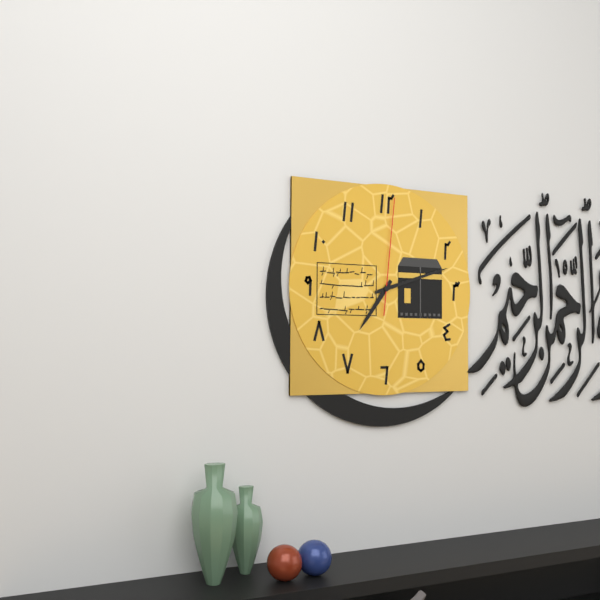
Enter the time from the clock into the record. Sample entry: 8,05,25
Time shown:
7,12,01
